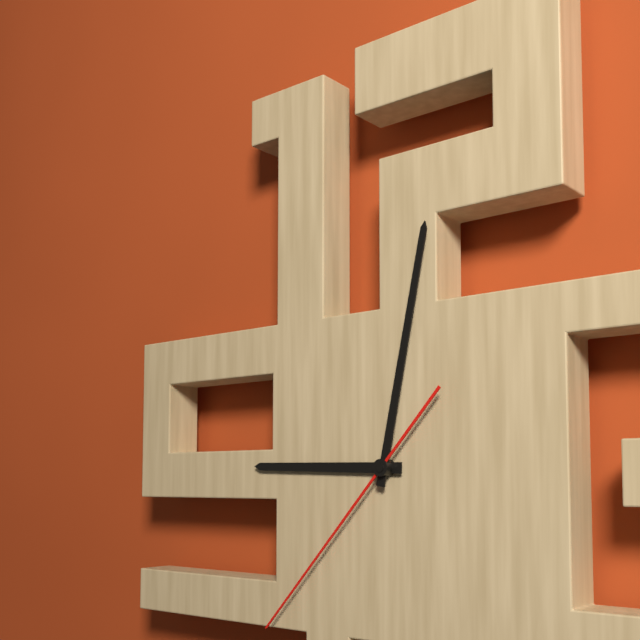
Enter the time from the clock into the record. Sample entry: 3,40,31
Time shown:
9,02,37
